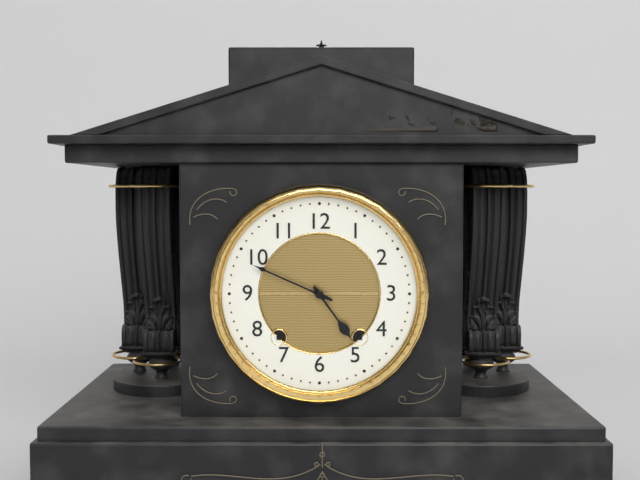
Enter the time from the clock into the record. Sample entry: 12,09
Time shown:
4,49
